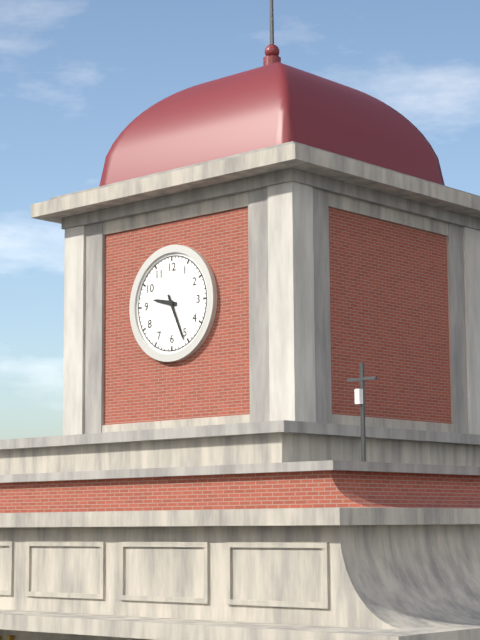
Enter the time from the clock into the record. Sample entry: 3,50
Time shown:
9,26
